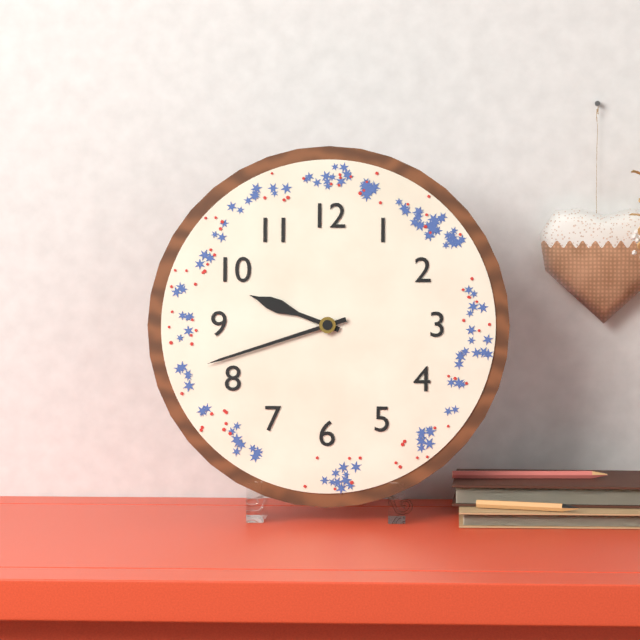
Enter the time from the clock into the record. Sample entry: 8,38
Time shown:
9,42
